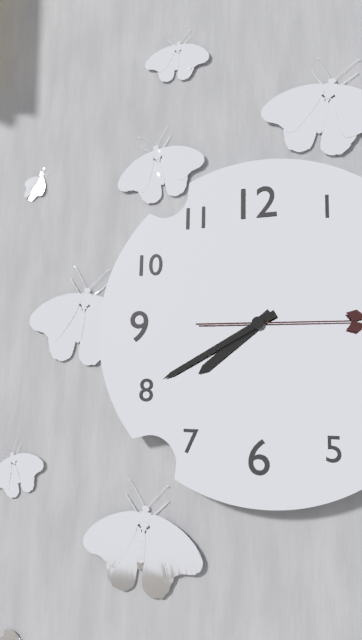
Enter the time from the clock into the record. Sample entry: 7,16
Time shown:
7,40
